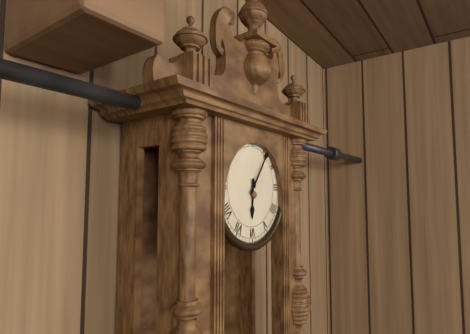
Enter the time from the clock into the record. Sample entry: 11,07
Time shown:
6,06
